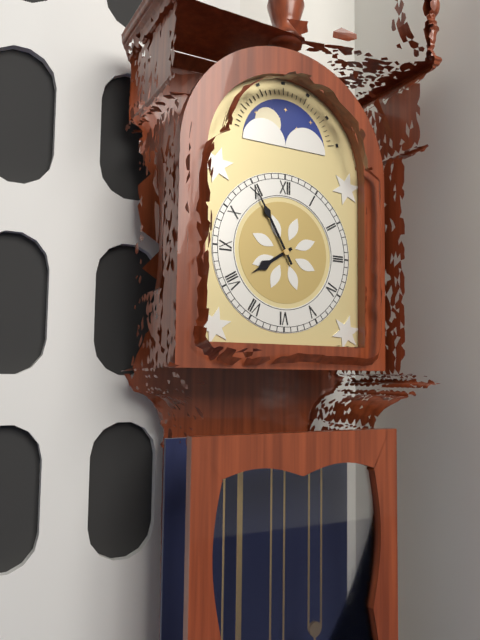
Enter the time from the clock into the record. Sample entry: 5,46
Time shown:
7,55
